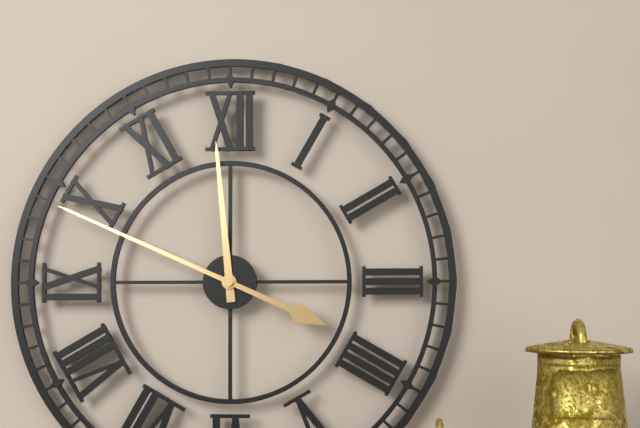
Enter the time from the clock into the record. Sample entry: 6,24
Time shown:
11,49
